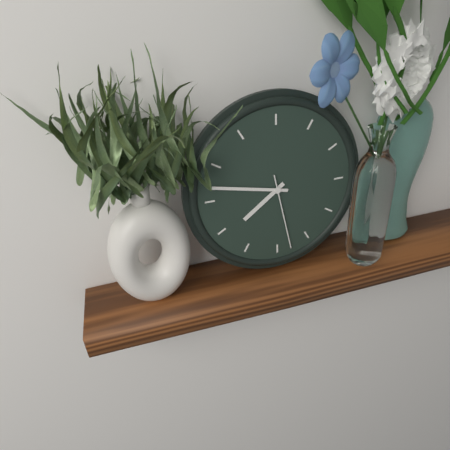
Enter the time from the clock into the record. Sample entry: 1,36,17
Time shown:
7,47,28
